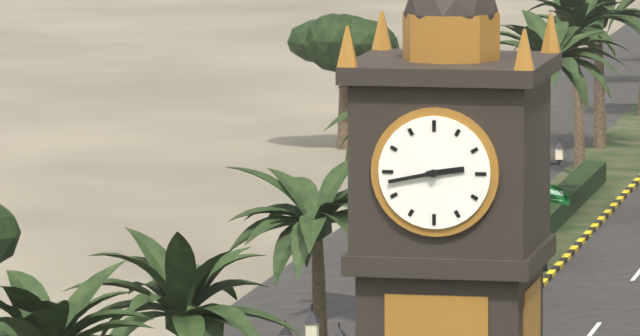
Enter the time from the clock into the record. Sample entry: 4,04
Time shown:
2,43
